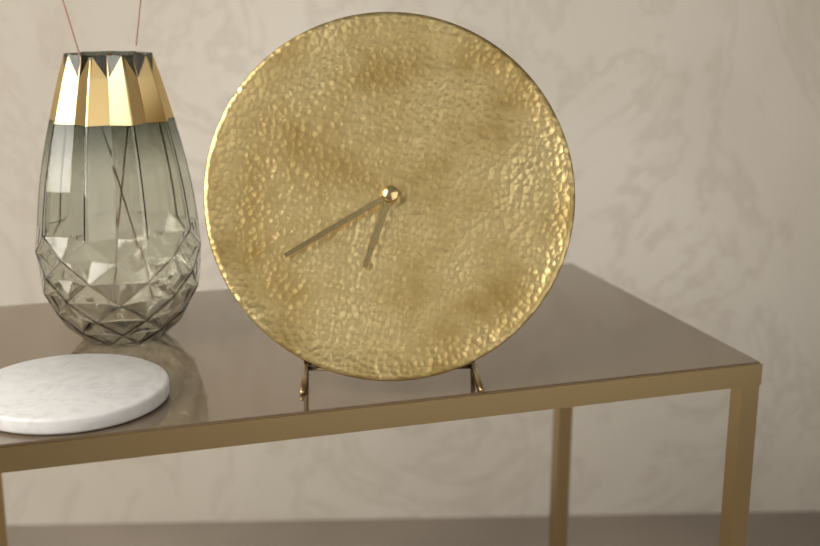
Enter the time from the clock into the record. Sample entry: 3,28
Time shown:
6,40
